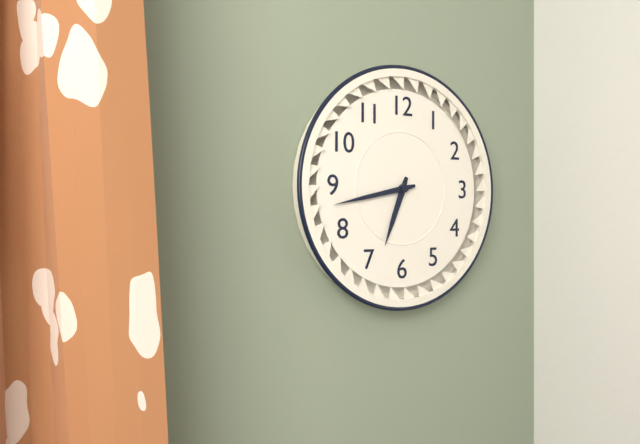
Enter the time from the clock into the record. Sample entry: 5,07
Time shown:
6,43
